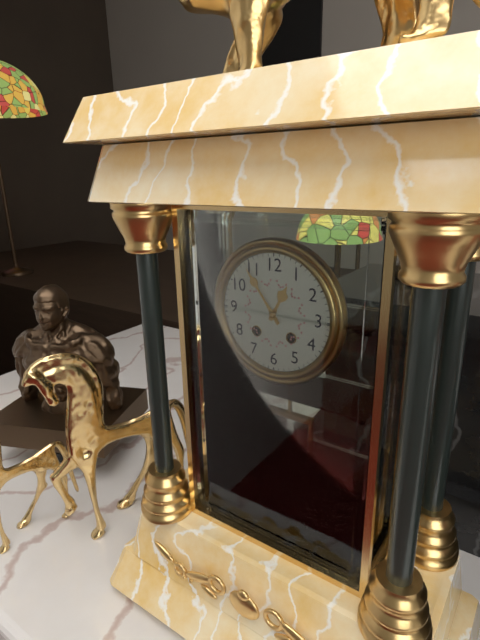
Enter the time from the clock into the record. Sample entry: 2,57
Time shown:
12,54
